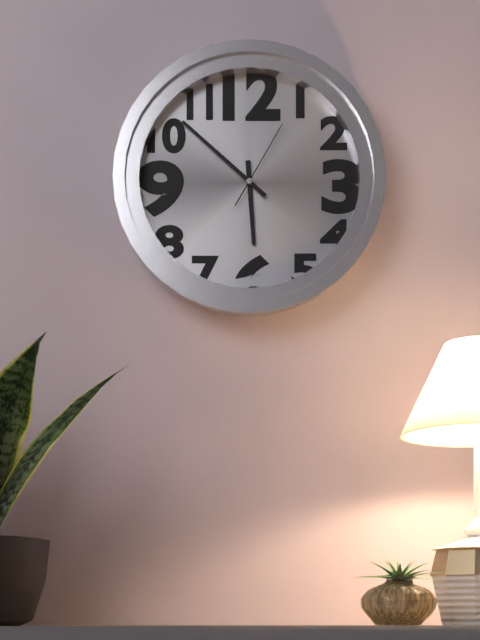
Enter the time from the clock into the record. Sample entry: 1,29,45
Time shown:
5,52,05
